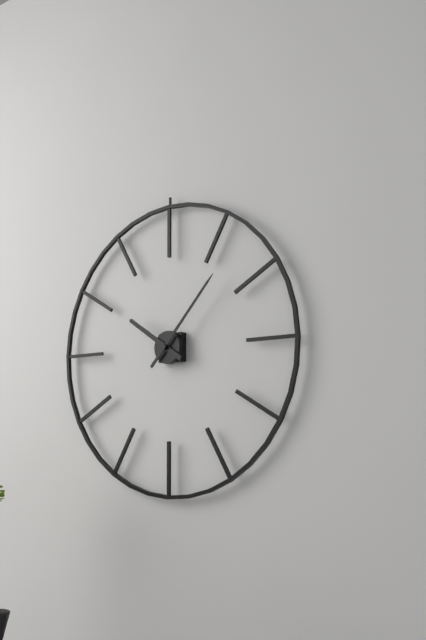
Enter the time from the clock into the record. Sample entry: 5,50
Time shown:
10,07
